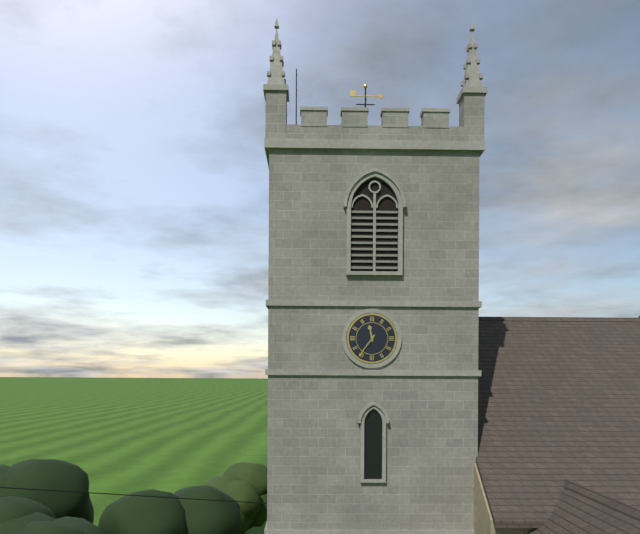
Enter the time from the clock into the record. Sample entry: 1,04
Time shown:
11,36
